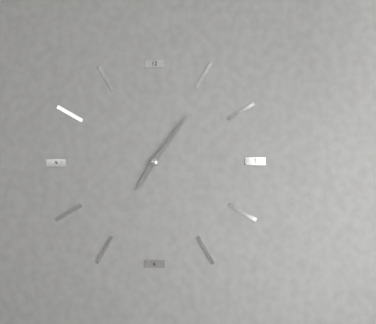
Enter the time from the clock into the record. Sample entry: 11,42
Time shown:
7,06
